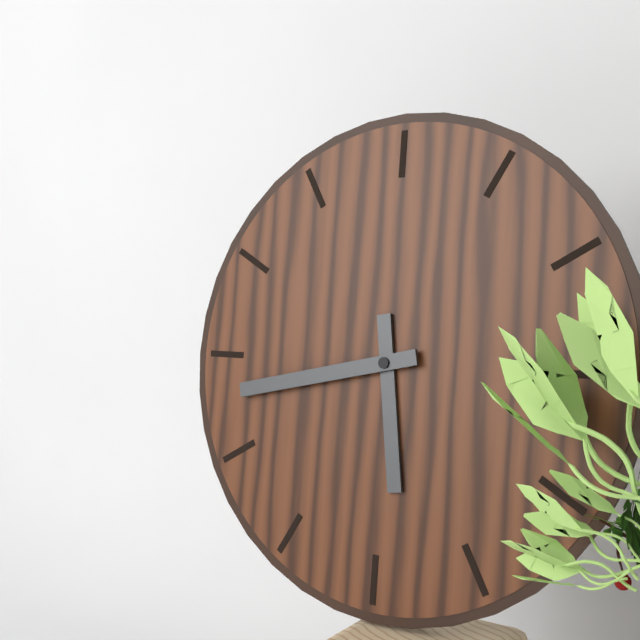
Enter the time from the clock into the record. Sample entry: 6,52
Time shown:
5,43
